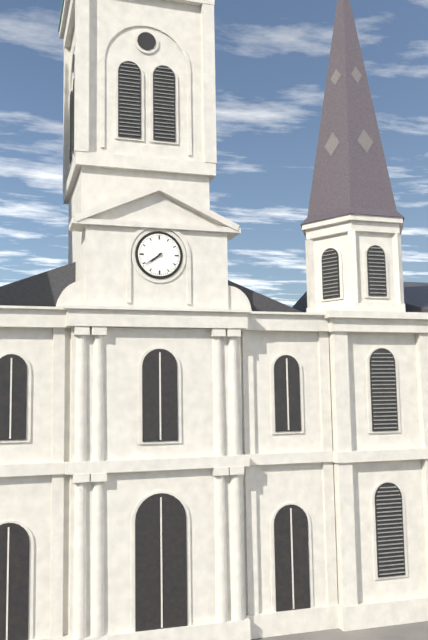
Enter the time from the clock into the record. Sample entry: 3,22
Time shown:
7,39
